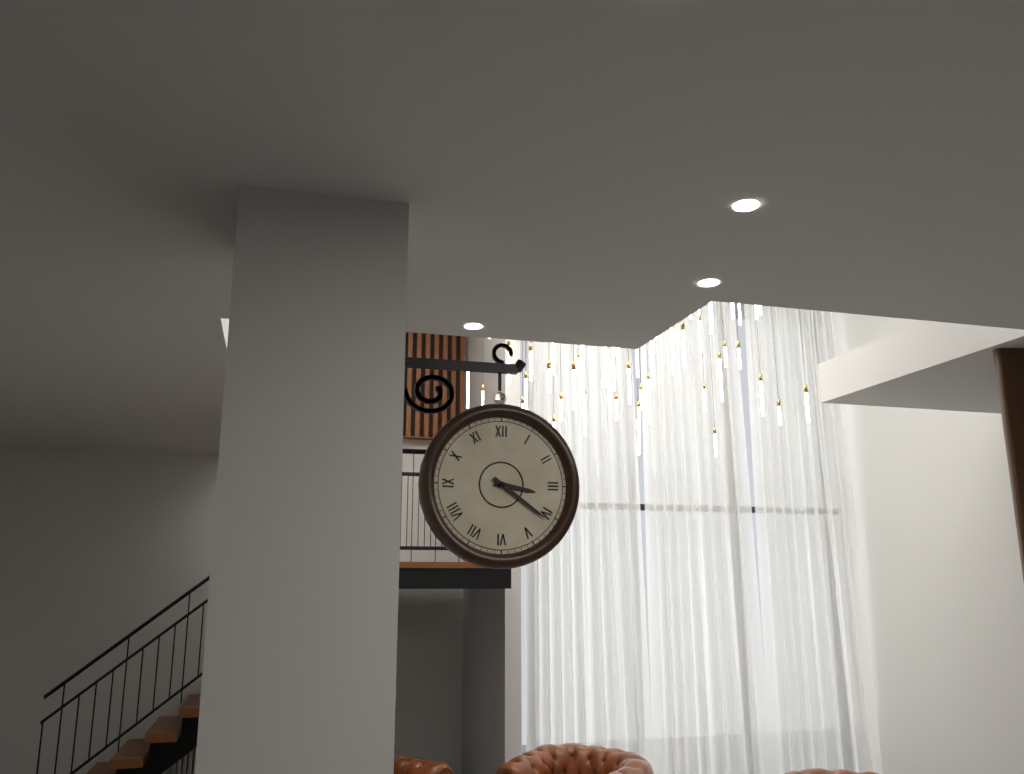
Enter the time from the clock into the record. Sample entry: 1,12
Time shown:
3,21
